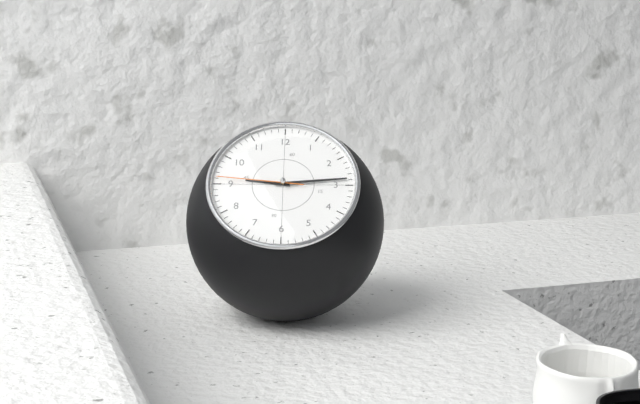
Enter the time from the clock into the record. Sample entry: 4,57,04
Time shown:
9,14,46
